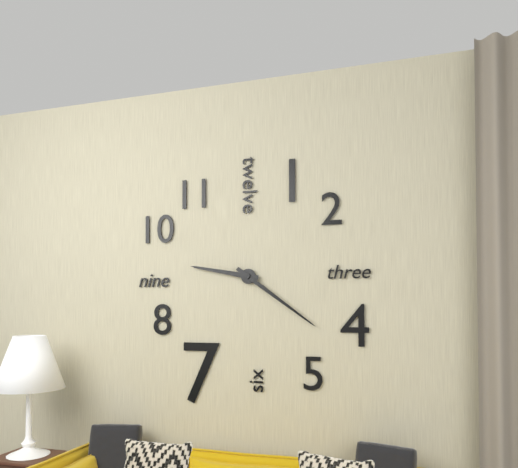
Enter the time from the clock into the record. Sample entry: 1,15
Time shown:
9,21
